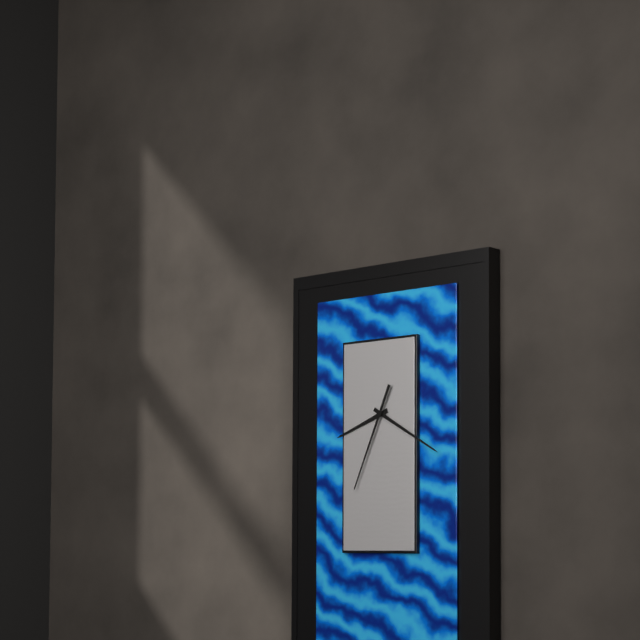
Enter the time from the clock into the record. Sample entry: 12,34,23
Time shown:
8,20,34
